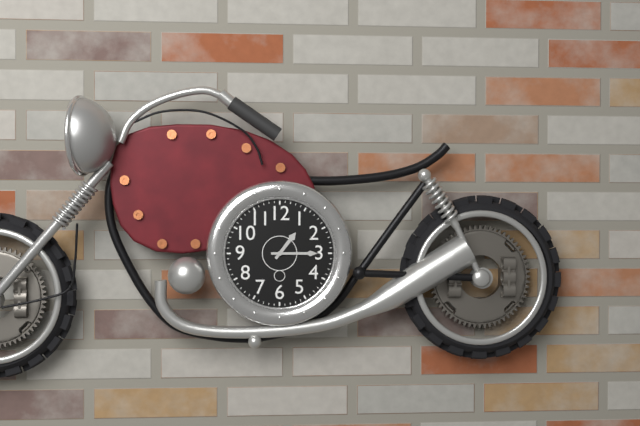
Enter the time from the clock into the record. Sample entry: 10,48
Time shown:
1,15
